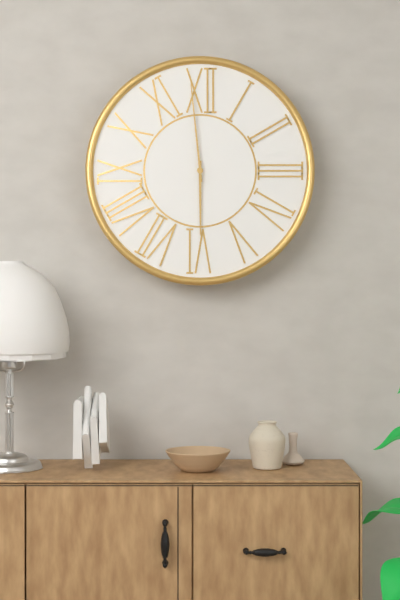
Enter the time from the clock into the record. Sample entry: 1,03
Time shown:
5,59
